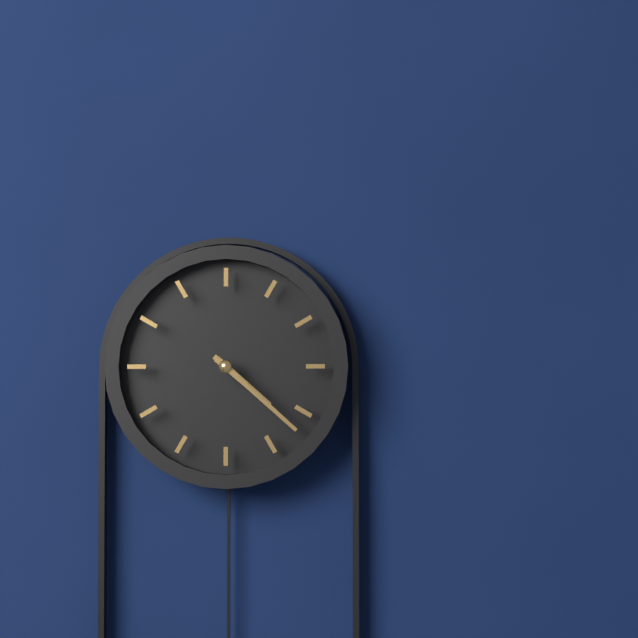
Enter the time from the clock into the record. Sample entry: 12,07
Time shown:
4,22
